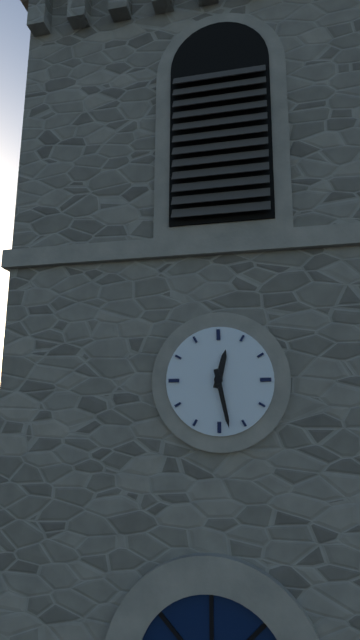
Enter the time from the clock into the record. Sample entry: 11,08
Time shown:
12,28
